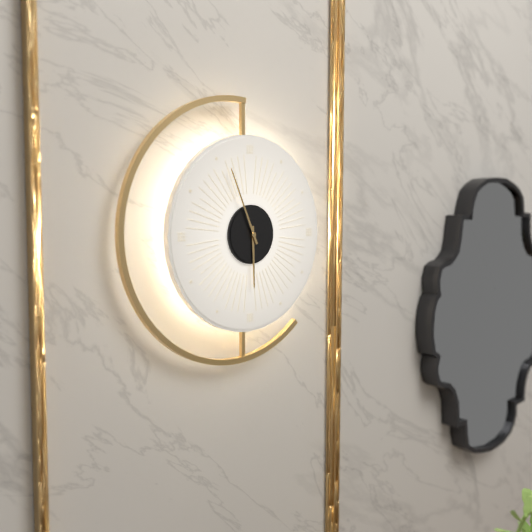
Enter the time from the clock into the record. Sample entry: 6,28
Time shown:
5,56
